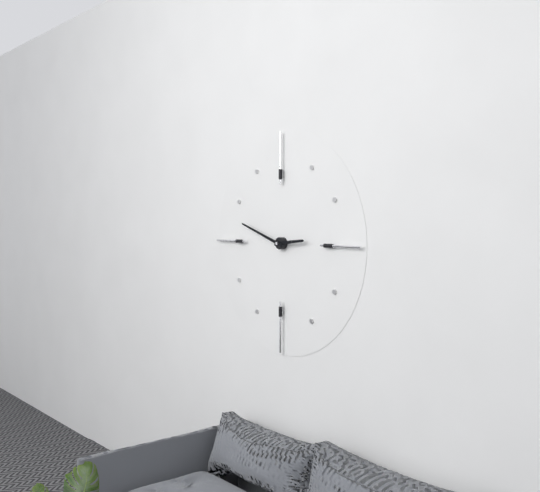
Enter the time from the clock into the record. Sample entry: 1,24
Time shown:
2,48
